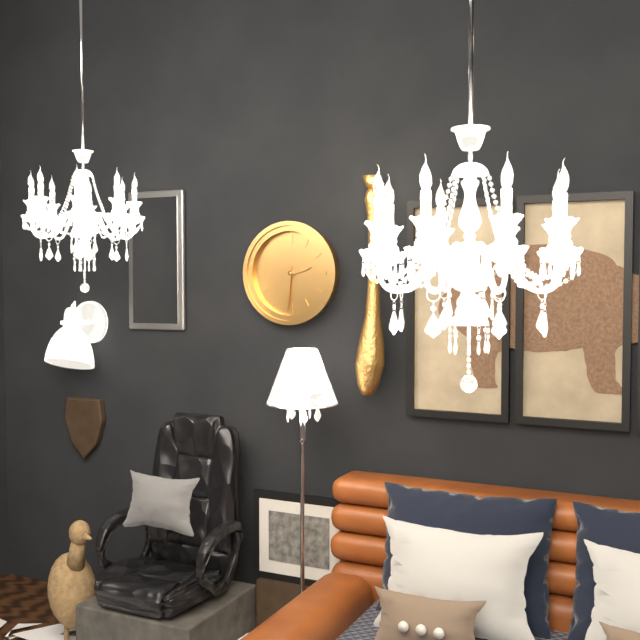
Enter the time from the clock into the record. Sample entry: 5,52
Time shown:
2,31
